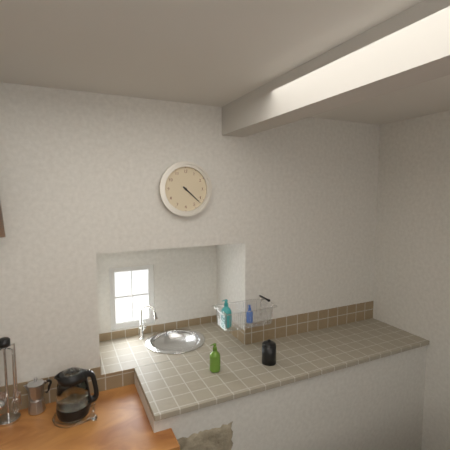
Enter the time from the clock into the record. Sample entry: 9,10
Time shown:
4,22
